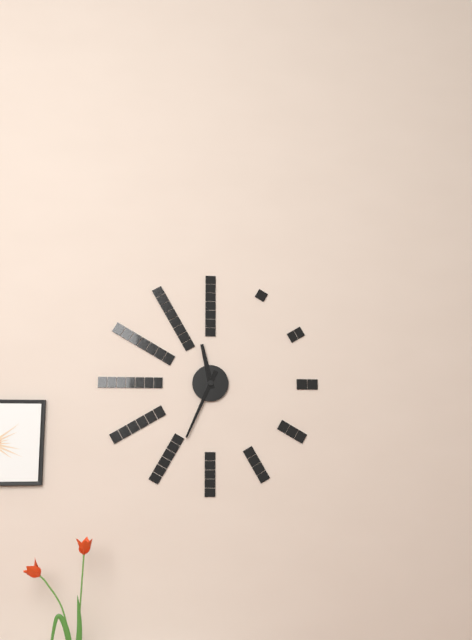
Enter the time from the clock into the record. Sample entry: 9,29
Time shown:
11,34
